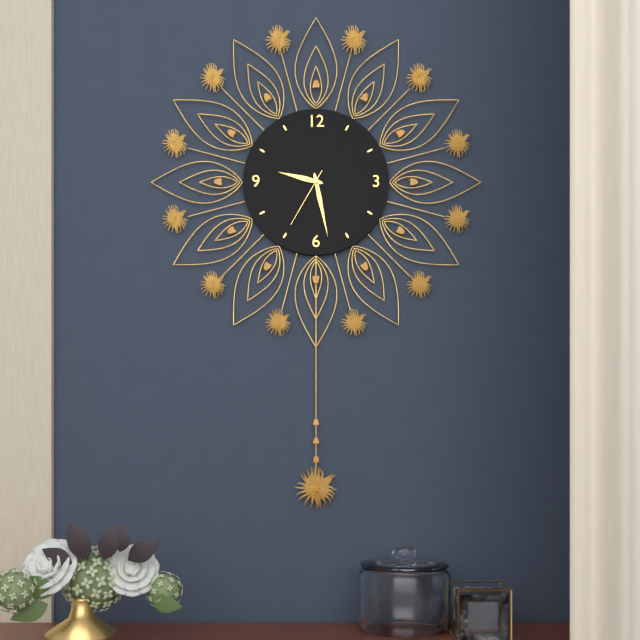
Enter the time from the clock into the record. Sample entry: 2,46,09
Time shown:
9,28,35
